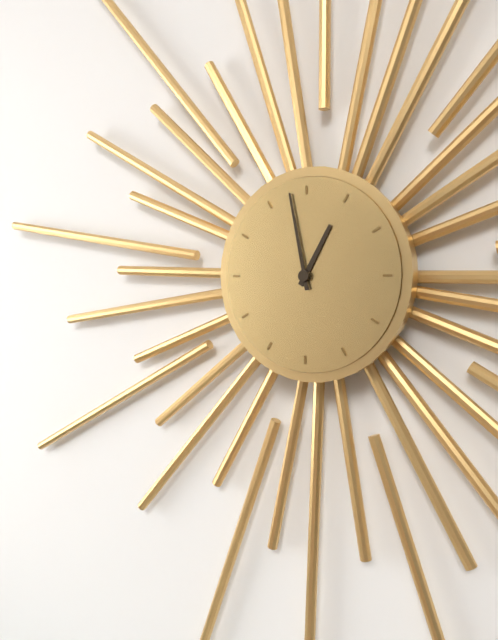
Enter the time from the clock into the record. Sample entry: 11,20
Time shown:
12,58
